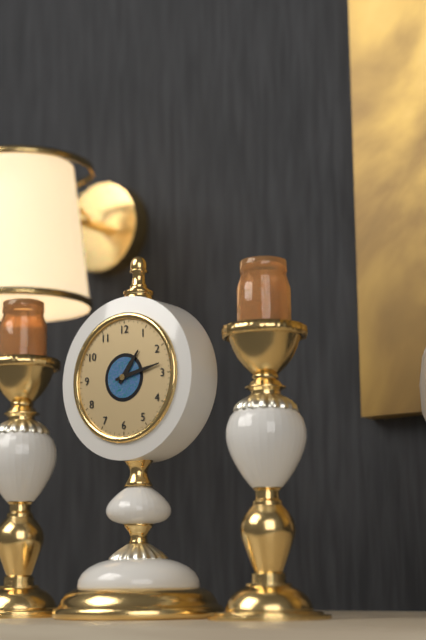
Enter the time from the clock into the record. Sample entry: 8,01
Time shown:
1,13
